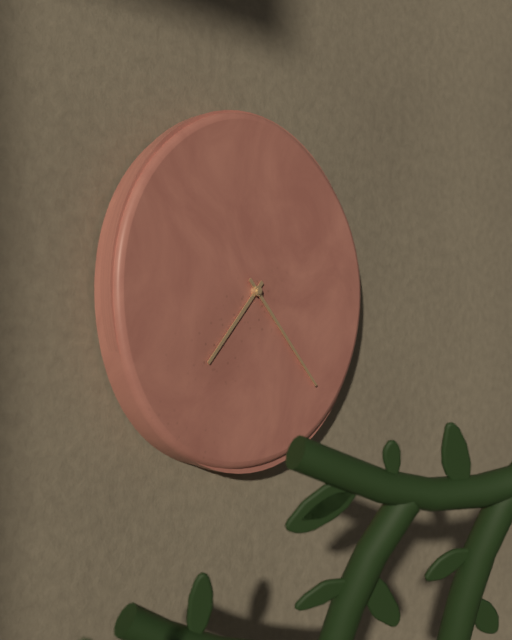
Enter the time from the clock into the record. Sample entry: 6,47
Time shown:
7,23
